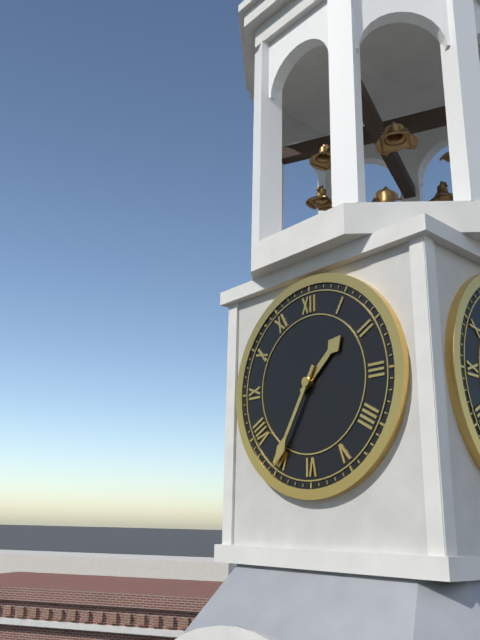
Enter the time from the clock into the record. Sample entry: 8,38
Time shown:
1,35
